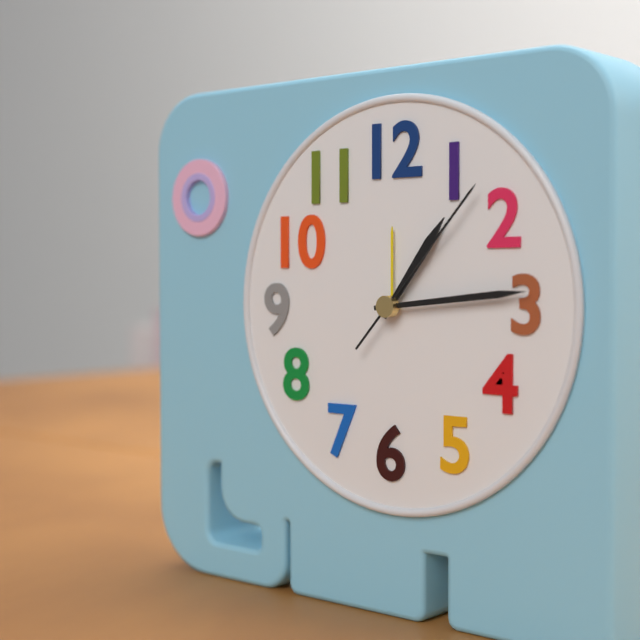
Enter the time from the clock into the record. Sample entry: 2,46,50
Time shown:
1,14,07
